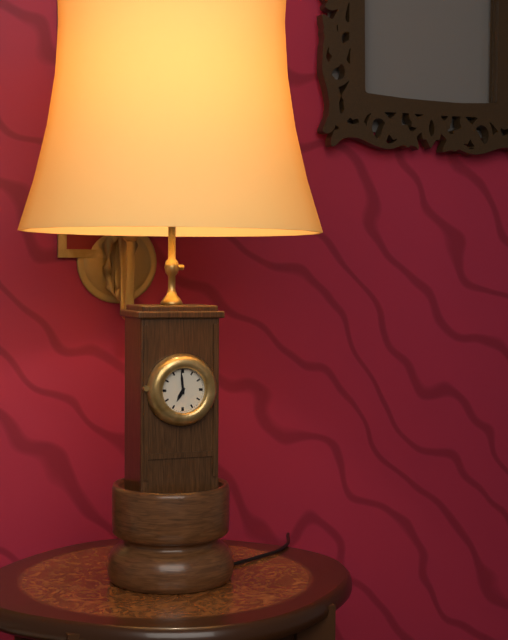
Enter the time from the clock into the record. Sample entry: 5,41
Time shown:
6,59
